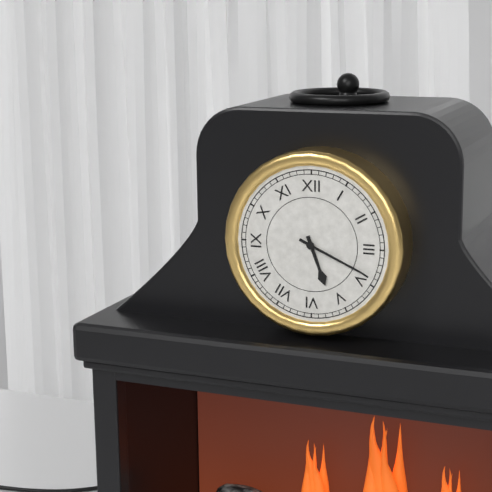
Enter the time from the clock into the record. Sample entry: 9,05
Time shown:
5,19
